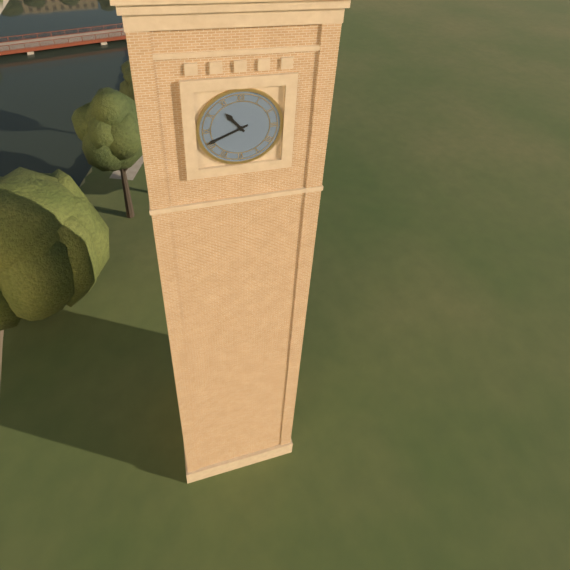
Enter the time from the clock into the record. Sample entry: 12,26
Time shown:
10,41
